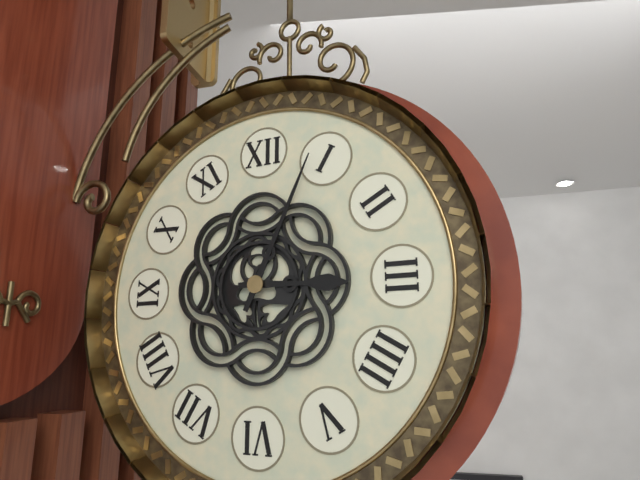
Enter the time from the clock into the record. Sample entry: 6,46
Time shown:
3,04
